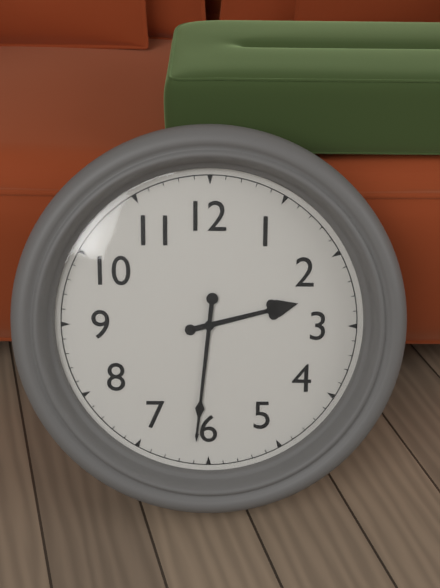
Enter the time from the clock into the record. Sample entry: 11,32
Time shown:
2,31
